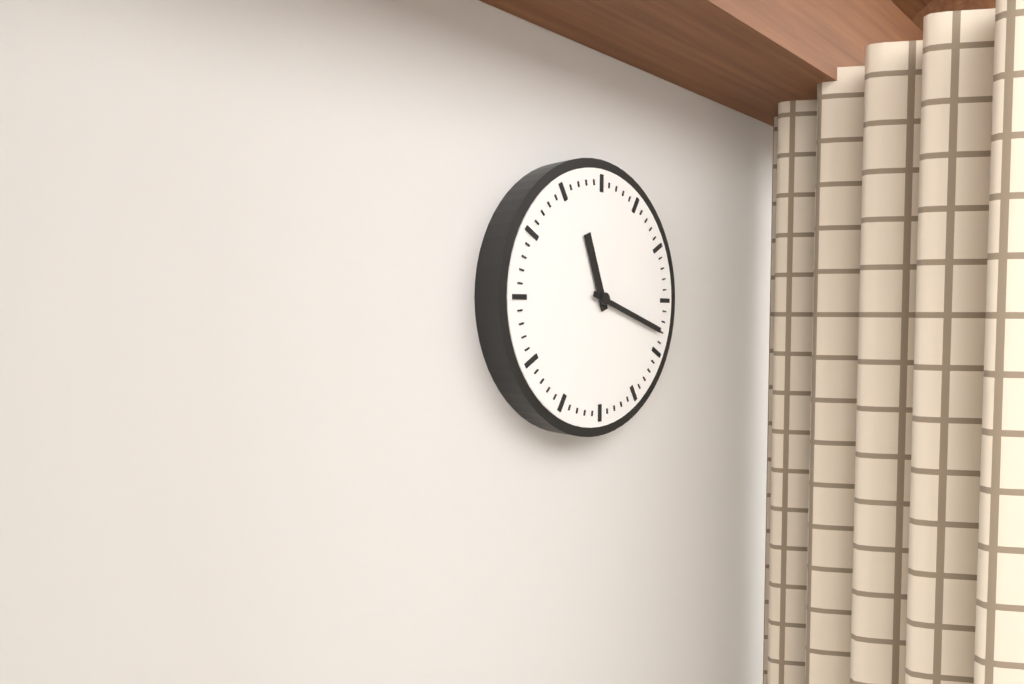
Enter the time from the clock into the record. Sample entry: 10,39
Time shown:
11,18
